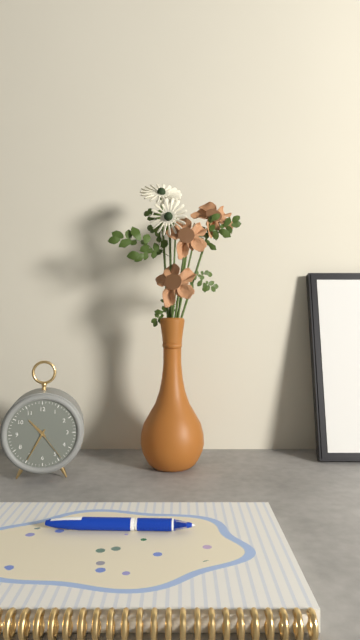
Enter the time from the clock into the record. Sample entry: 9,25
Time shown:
10,35
